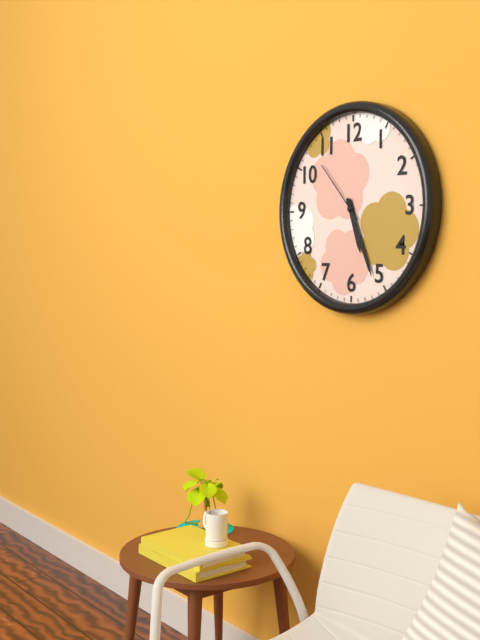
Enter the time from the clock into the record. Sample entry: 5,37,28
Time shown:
5,26,53
